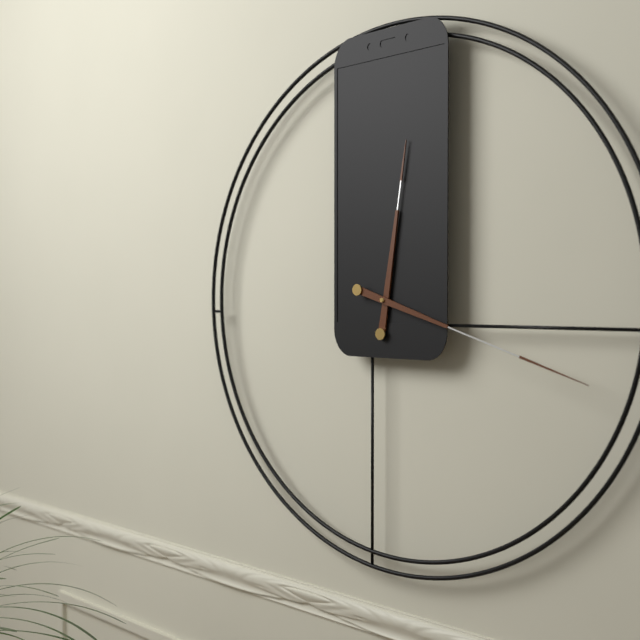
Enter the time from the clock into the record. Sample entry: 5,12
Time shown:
12,18
